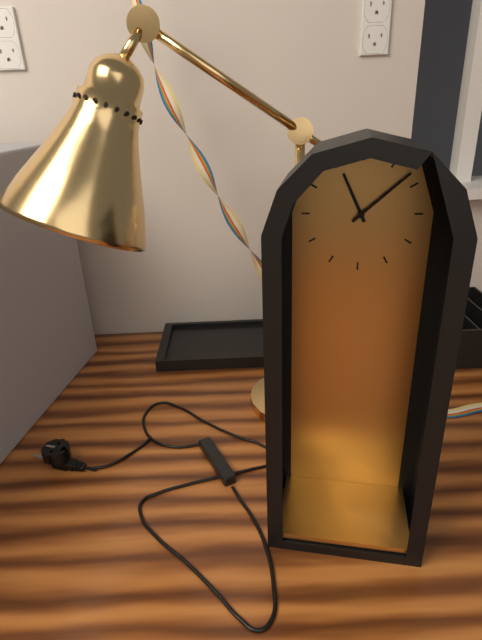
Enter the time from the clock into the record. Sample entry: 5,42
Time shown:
11,08
